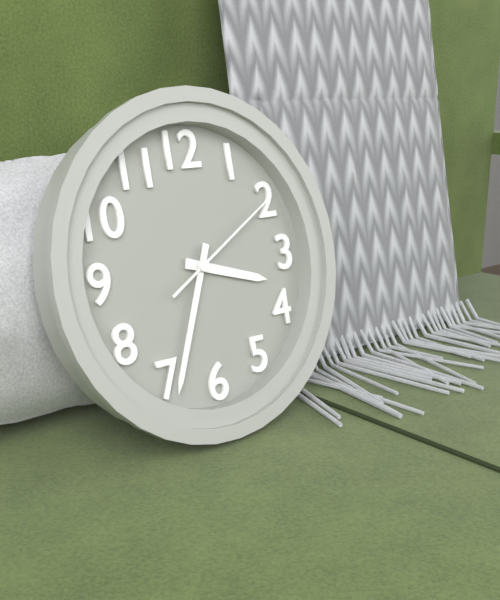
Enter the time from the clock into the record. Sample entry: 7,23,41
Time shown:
3,34,10
